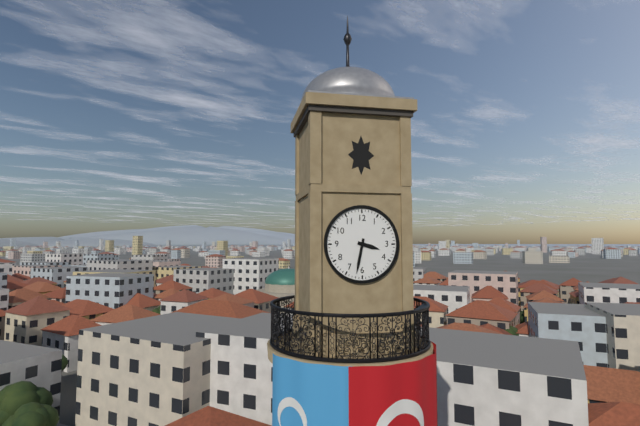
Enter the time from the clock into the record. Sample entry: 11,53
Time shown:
3,32
